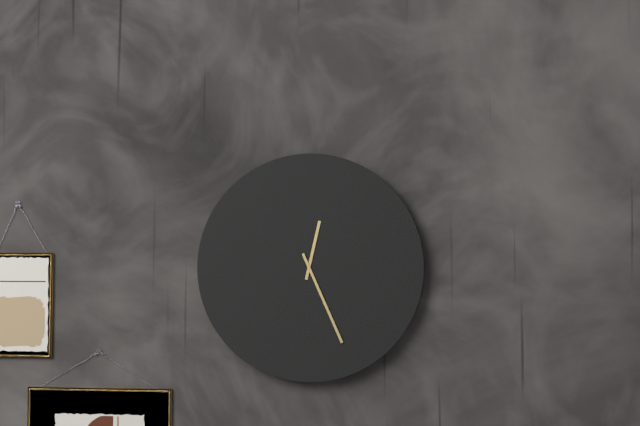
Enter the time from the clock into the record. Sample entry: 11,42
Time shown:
12,26
